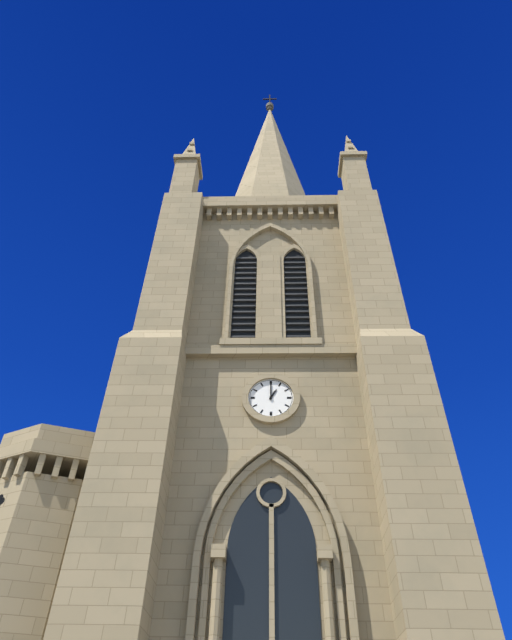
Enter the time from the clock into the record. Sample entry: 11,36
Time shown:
1,00
